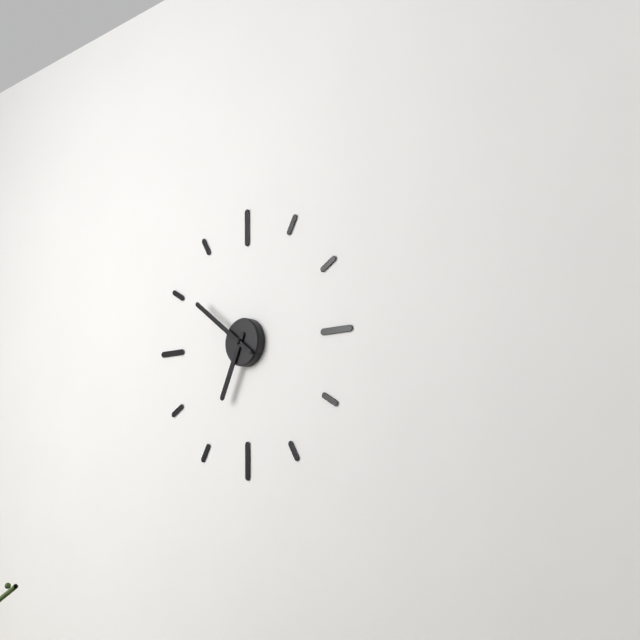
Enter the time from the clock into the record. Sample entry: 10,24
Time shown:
6,51
